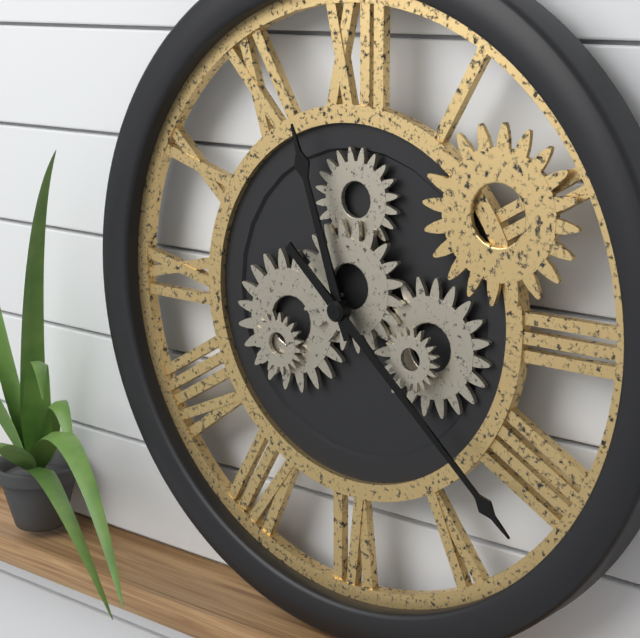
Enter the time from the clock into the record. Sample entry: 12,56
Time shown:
11,22
